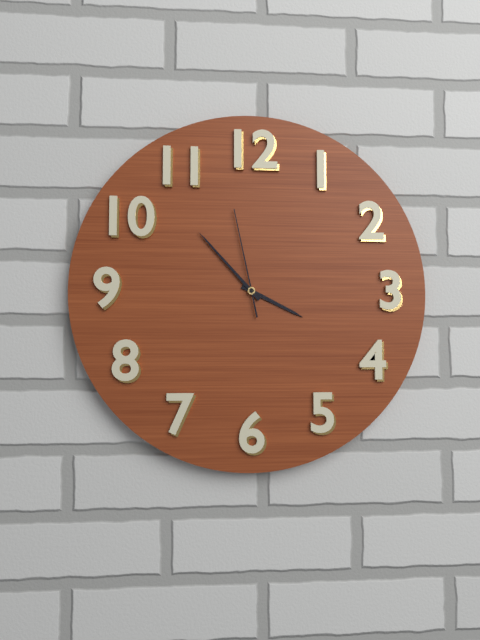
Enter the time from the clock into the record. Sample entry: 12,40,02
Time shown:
3,53,58
